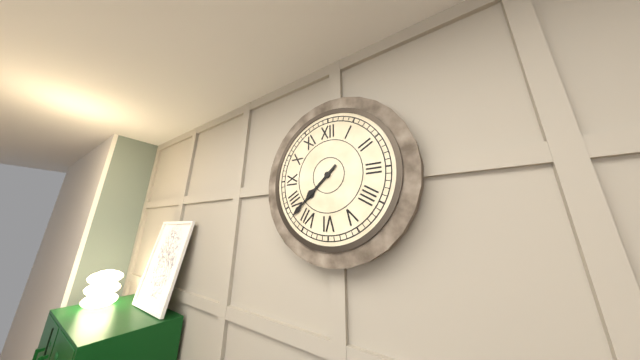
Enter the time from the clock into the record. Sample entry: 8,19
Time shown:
7,38
